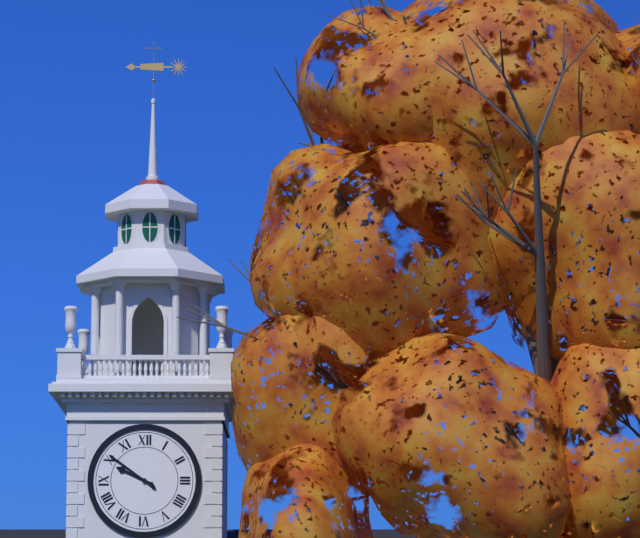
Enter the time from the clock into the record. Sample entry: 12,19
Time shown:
9,51
